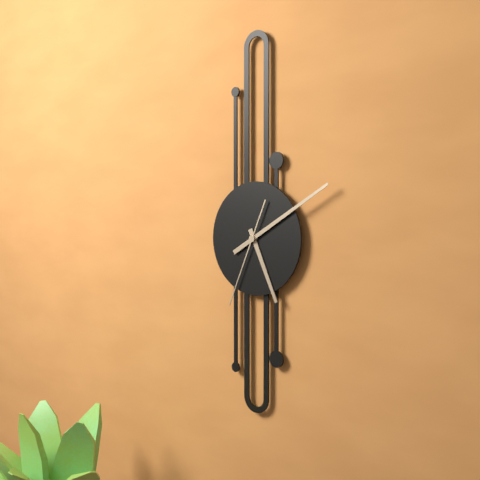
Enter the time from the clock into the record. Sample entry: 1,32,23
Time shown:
5,10,34
